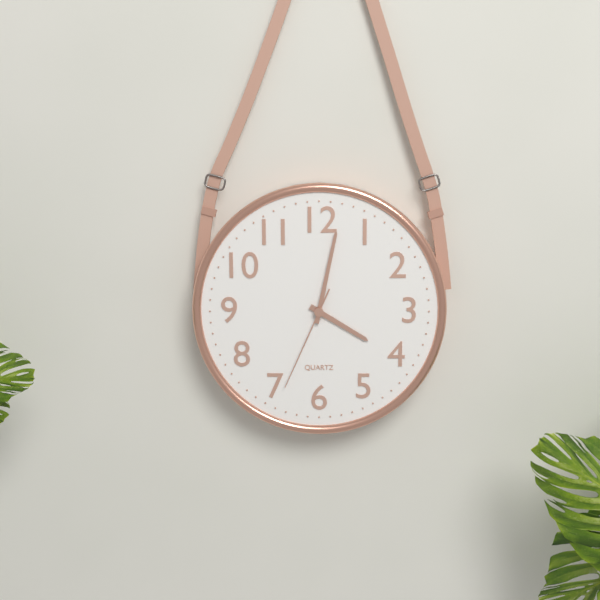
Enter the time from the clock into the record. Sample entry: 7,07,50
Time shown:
4,02,34
